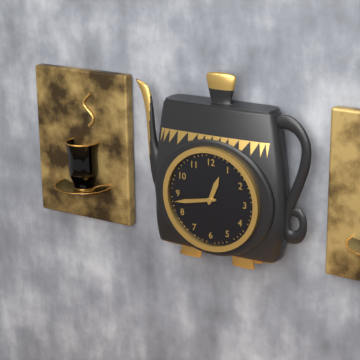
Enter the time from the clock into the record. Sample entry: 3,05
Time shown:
12,43
